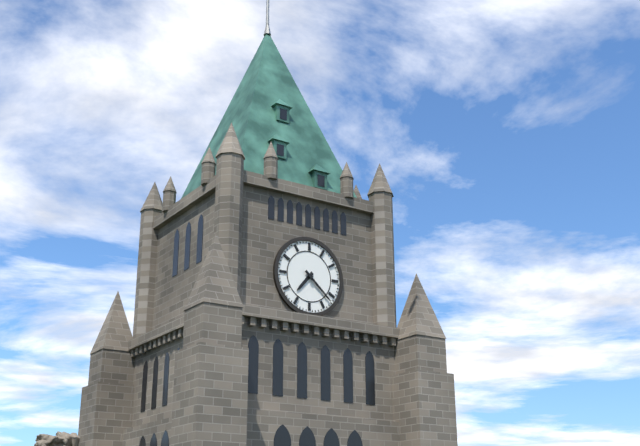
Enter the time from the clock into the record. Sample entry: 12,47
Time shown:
7,22
